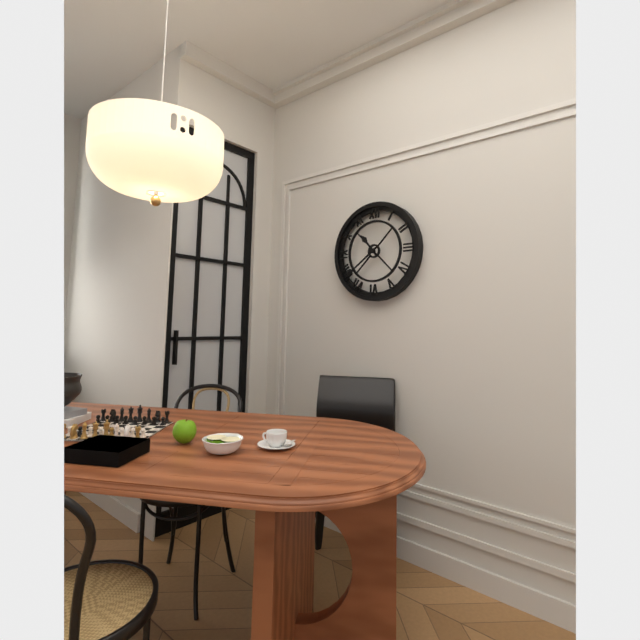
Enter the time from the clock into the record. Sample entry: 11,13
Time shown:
10,39
